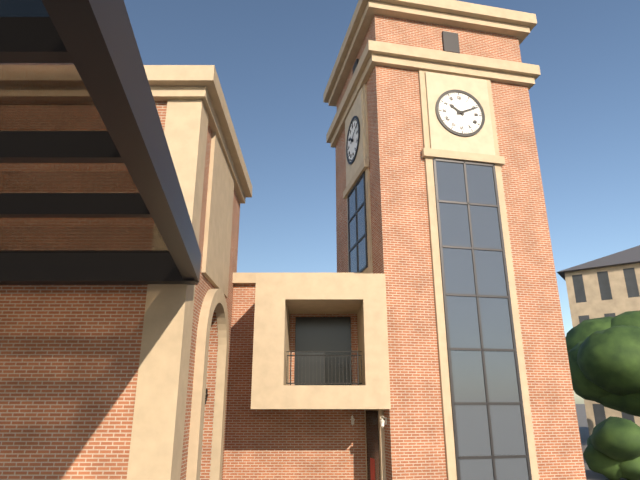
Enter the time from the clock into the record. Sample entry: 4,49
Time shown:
10,11
